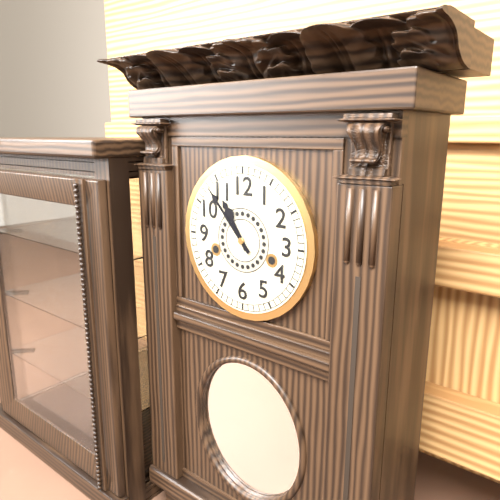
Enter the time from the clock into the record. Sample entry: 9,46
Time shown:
10,53
